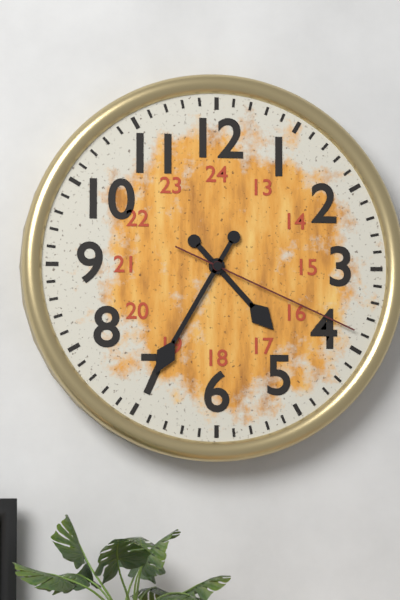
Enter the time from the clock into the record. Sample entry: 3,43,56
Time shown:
4,35,19
